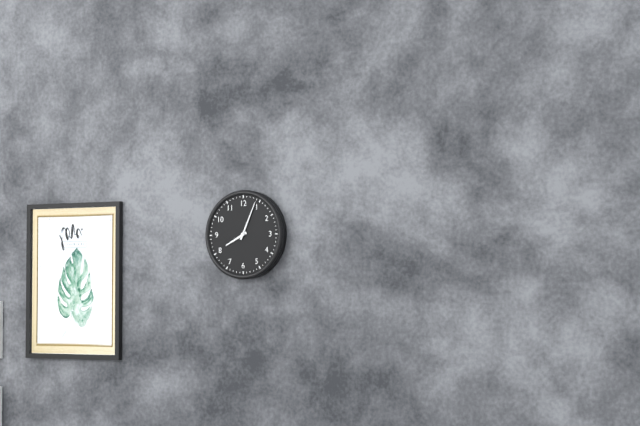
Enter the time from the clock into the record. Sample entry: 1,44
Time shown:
8,04
